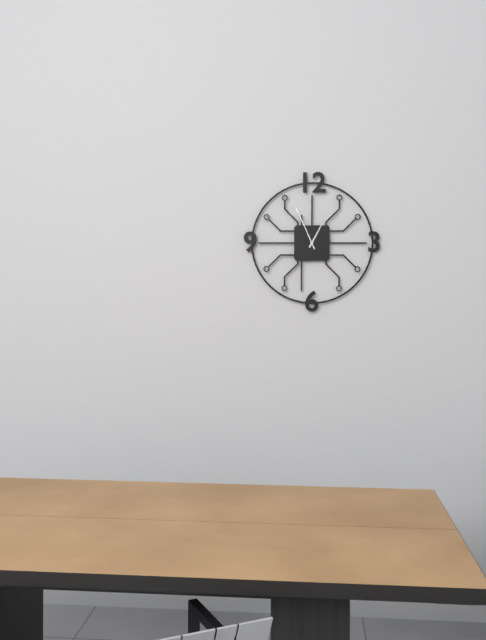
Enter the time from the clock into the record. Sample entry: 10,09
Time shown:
12,56
